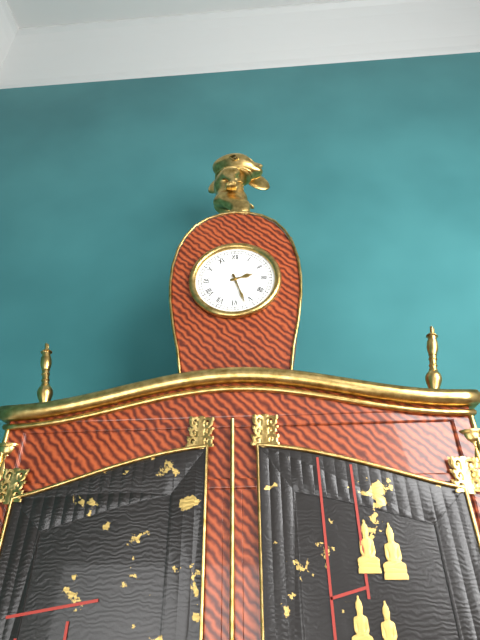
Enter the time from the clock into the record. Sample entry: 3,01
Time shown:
2,27
